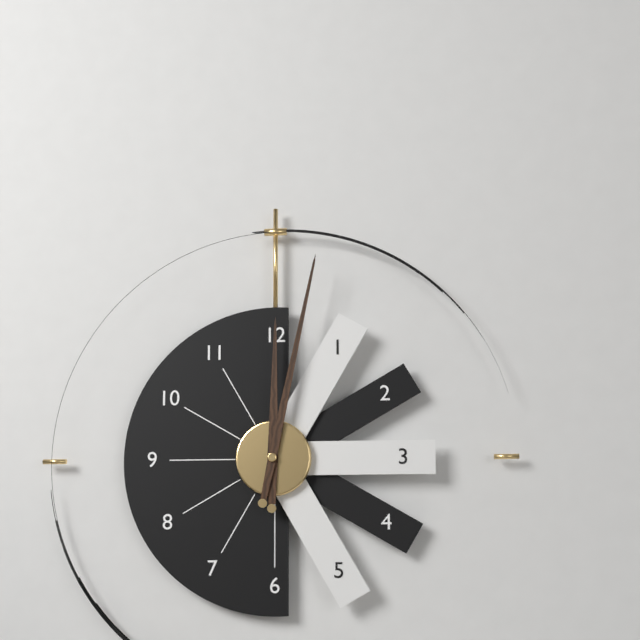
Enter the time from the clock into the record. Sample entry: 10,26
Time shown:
12,02
